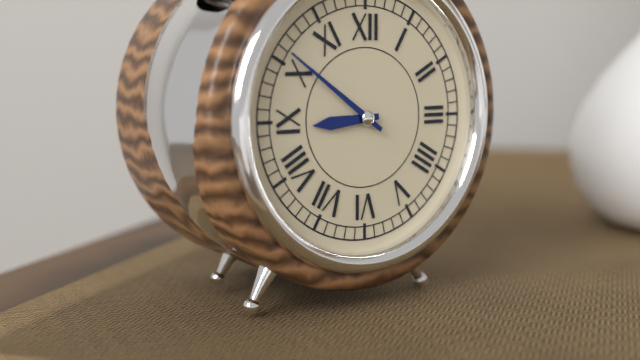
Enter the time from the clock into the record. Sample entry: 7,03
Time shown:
8,51
